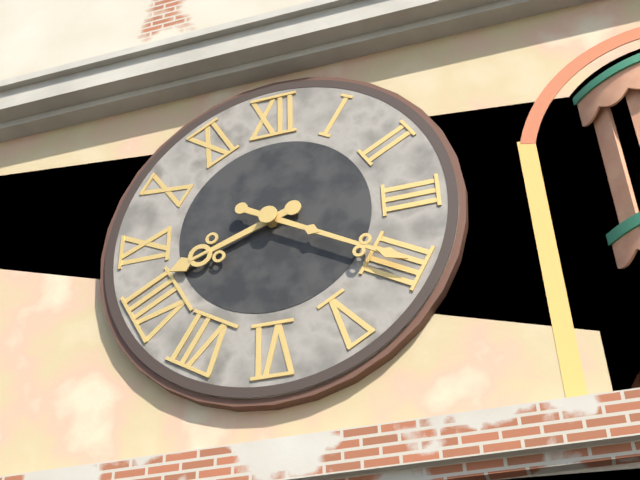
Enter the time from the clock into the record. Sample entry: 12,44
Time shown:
8,20
